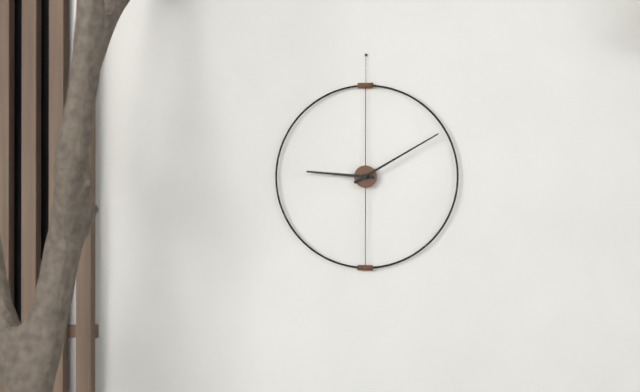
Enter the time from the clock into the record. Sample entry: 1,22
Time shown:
9,10
